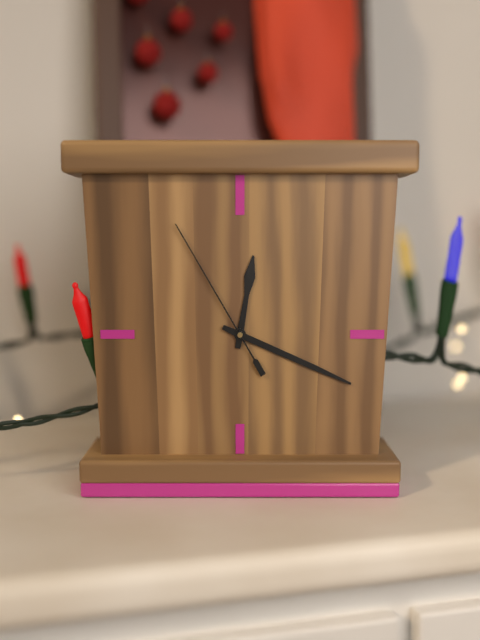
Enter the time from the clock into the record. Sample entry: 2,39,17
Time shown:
12,19,55
